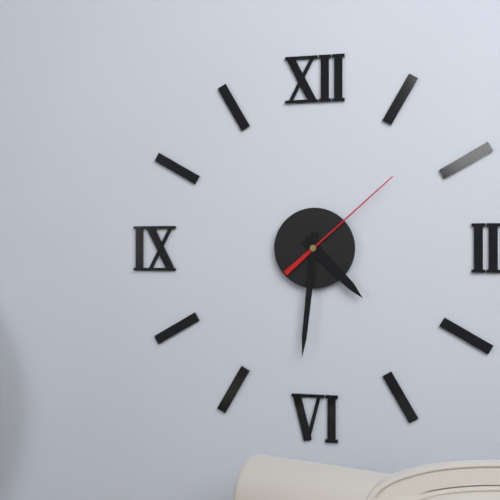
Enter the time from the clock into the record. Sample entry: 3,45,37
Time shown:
4,31,08
